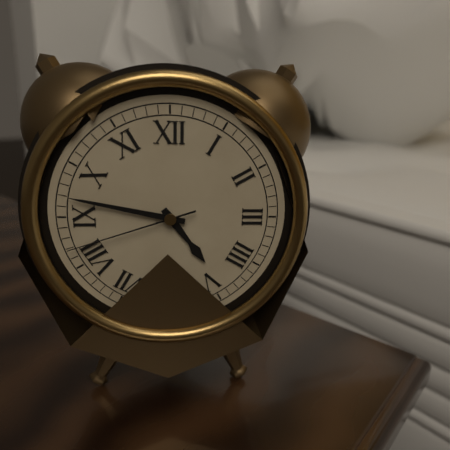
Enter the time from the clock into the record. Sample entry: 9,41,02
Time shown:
4,47,42
